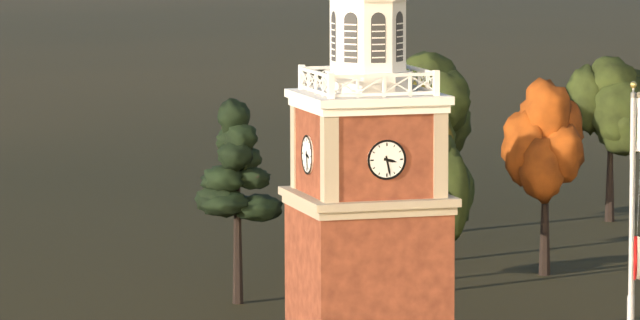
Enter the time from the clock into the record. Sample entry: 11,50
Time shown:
3,28
